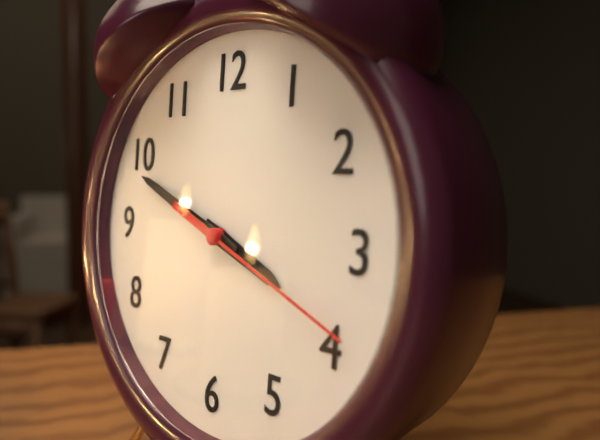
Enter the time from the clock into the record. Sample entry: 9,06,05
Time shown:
3,49,19
